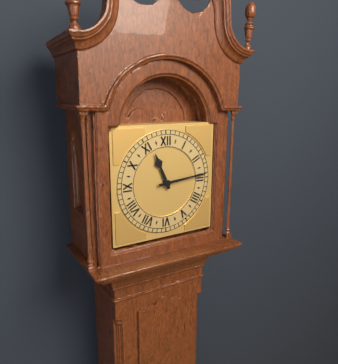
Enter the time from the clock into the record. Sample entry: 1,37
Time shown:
11,14
